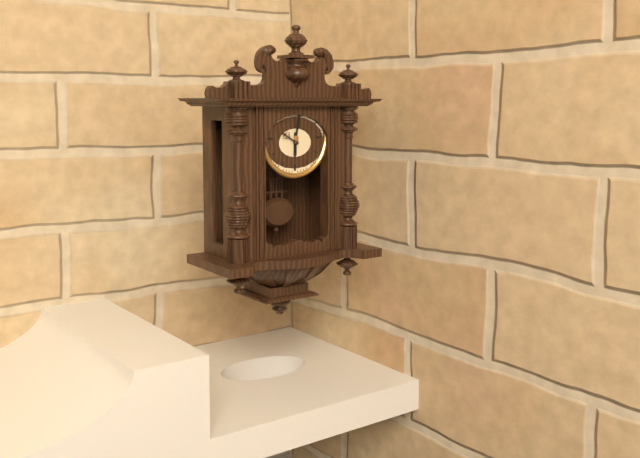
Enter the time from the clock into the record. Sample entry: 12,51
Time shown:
6,02
